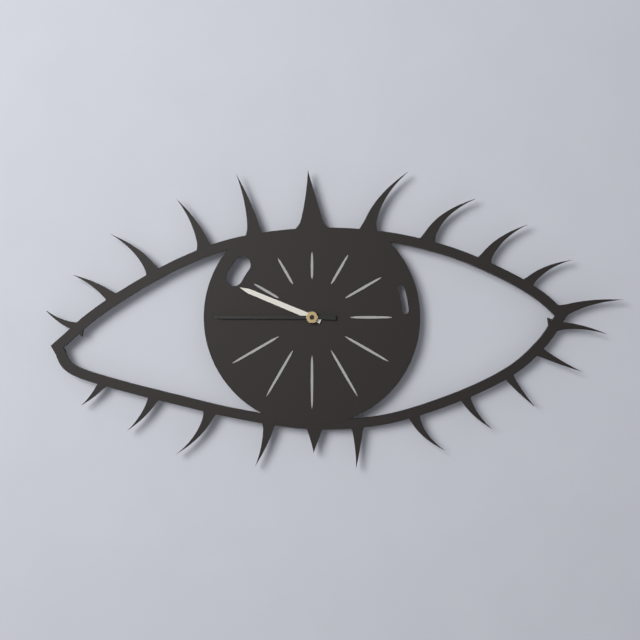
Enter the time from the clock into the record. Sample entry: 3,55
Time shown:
9,45
